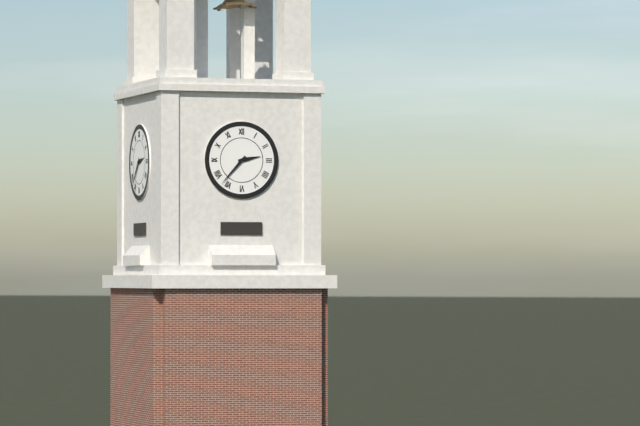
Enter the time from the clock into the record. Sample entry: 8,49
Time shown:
2,37
